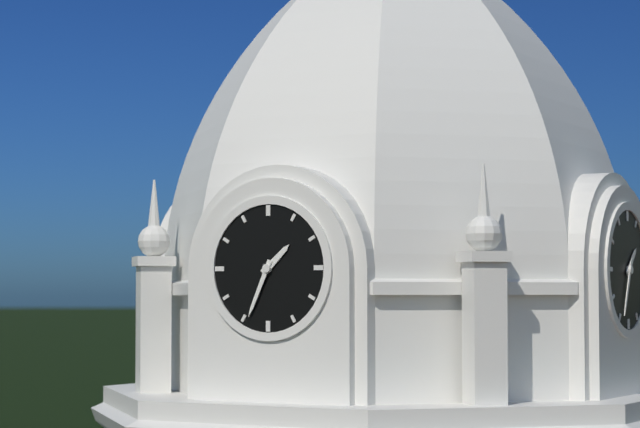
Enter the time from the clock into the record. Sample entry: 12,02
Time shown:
1,34
